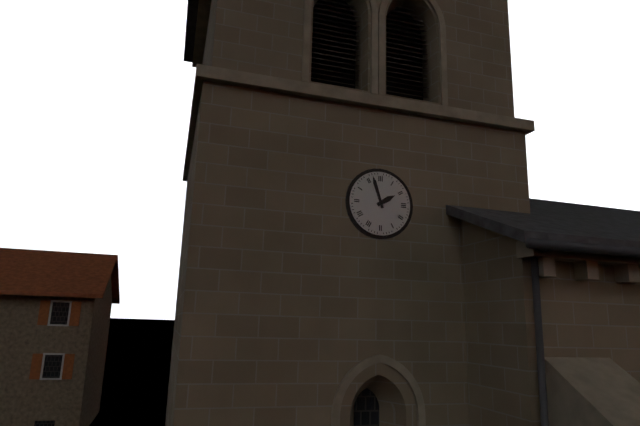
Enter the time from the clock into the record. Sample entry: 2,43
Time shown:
1,57
